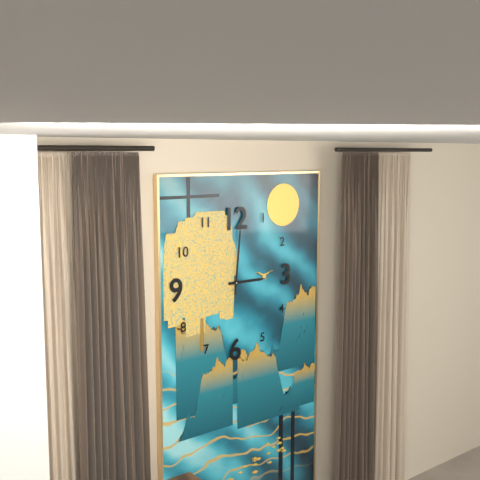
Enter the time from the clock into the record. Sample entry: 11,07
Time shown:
3,01
